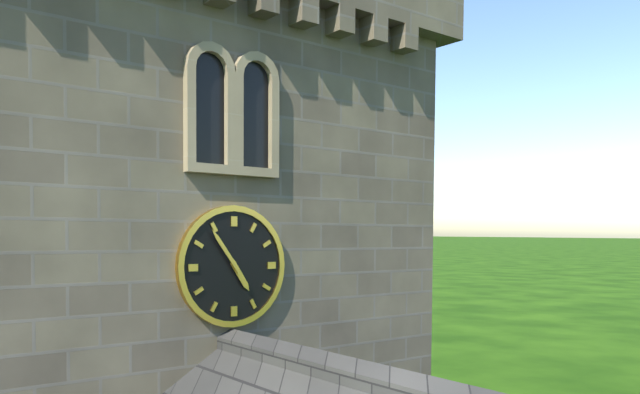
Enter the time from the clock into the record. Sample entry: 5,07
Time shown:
4,54
